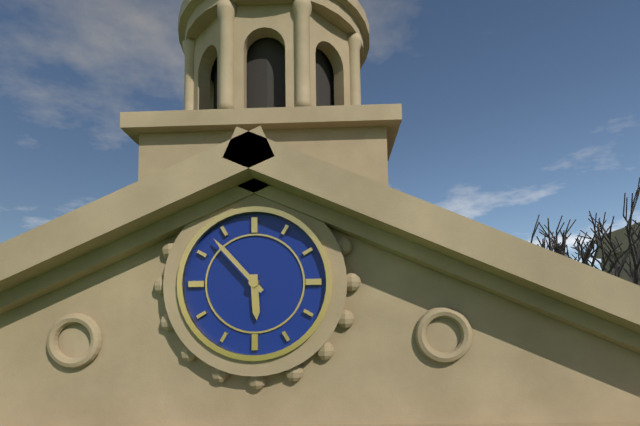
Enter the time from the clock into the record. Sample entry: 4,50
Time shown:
5,53
